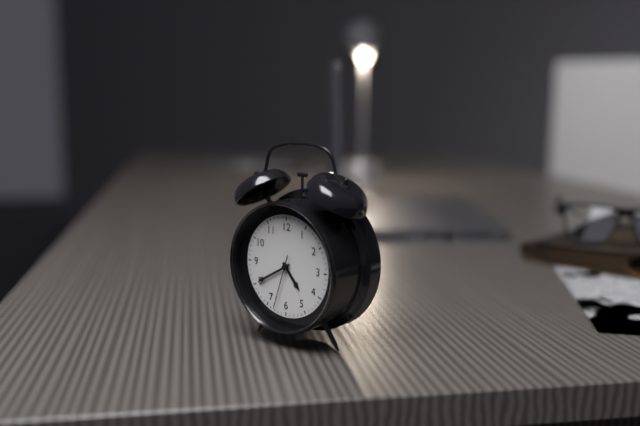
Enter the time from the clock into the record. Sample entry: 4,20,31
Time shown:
4,40,33
